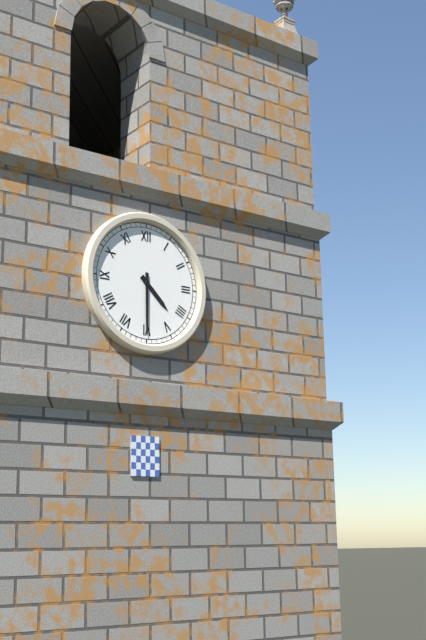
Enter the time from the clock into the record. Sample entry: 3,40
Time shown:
4,30
